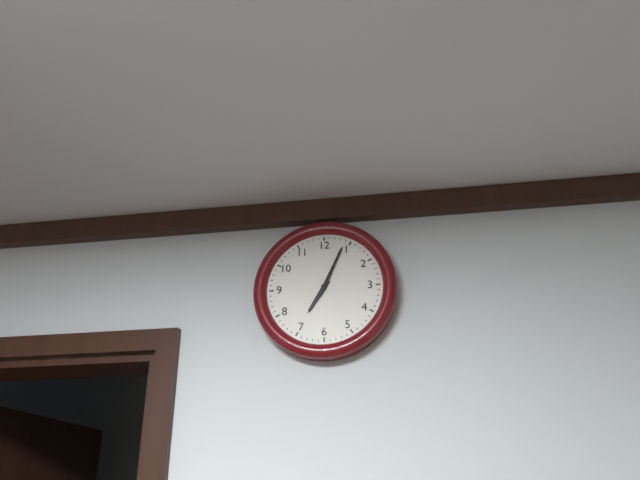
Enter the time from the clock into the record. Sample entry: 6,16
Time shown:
7,04
